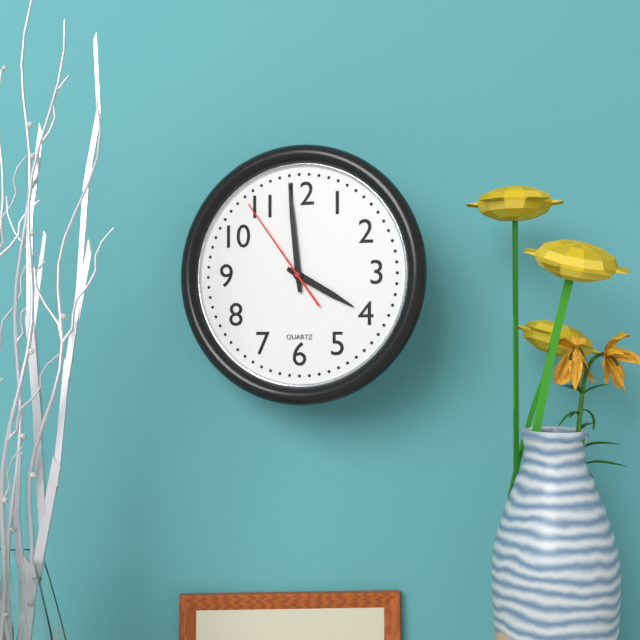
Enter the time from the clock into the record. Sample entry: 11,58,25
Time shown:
3,59,54
